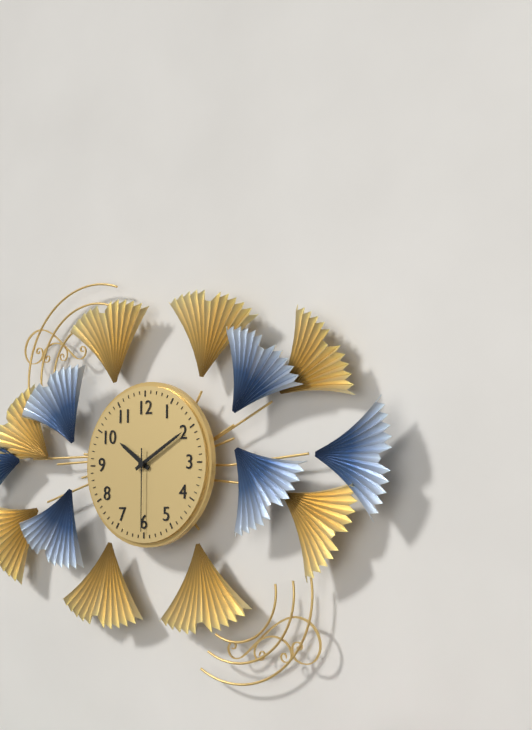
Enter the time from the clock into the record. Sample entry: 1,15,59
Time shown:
10,10,30
